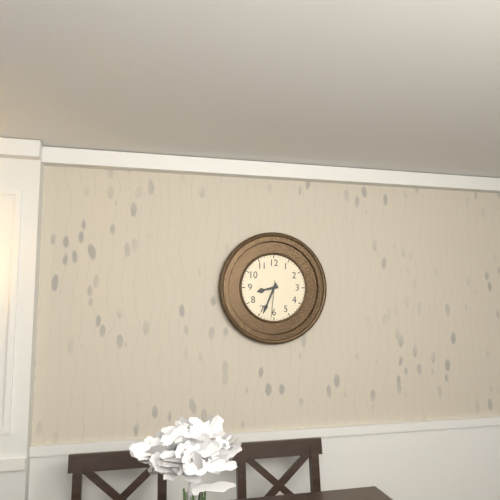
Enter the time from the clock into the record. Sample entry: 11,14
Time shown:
8,34
